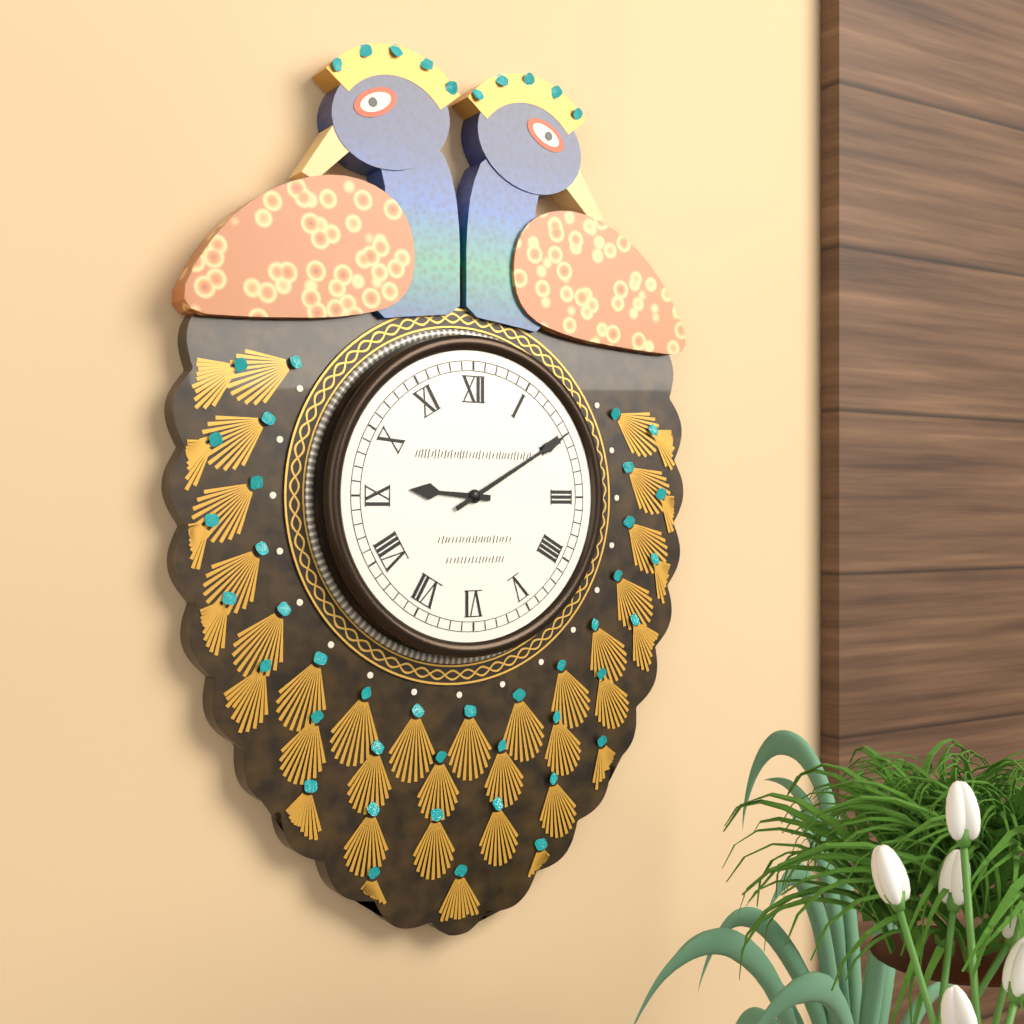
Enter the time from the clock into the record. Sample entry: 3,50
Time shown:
9,10
